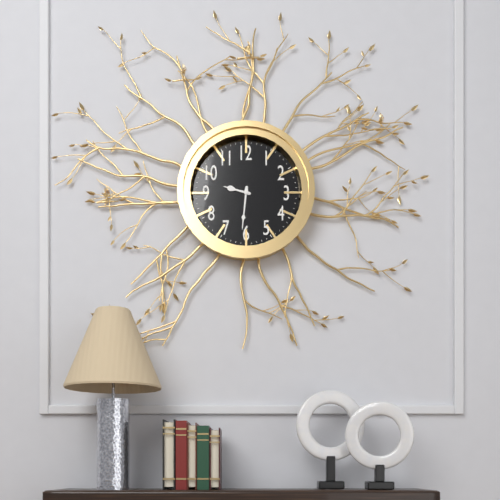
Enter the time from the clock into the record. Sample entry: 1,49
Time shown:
9,31
